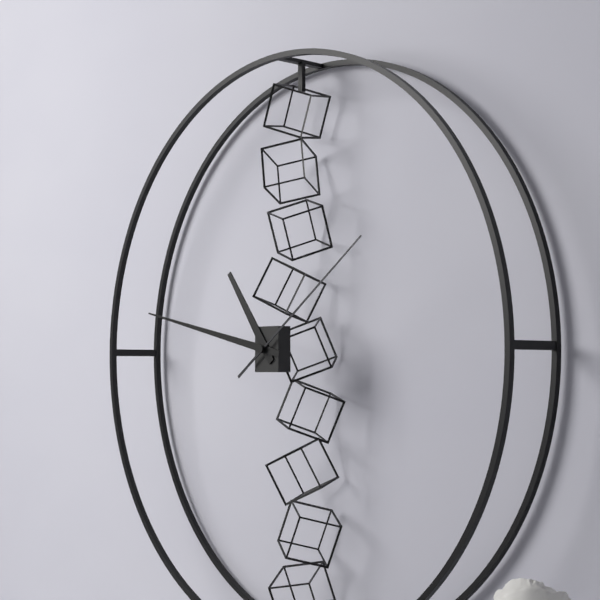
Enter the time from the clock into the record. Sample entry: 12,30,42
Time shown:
10,47,09
